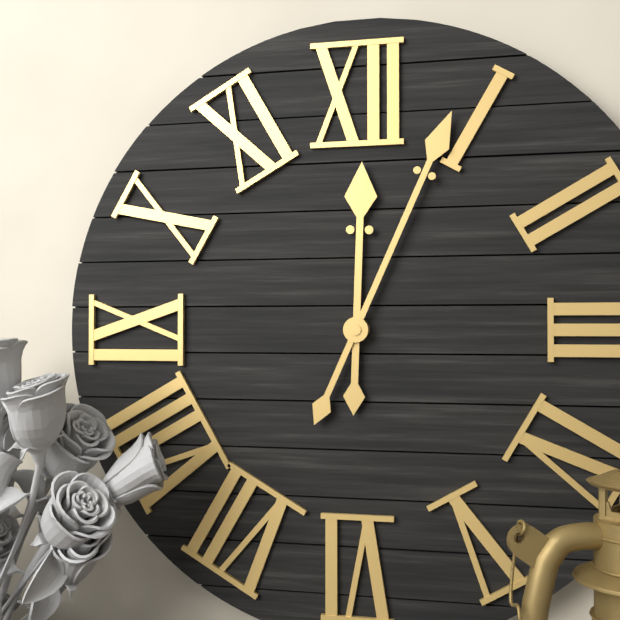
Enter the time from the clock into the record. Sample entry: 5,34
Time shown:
12,04
